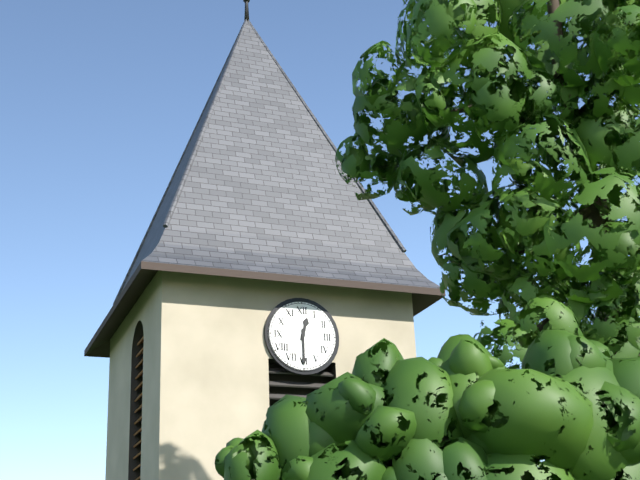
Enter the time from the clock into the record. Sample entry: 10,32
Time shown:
12,30
